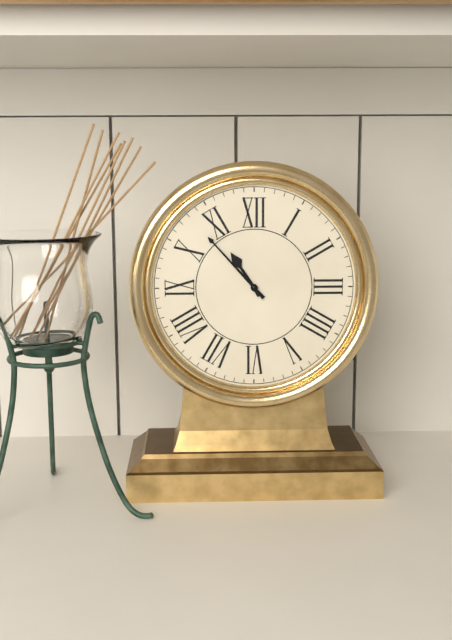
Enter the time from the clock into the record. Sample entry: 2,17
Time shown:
10,53
